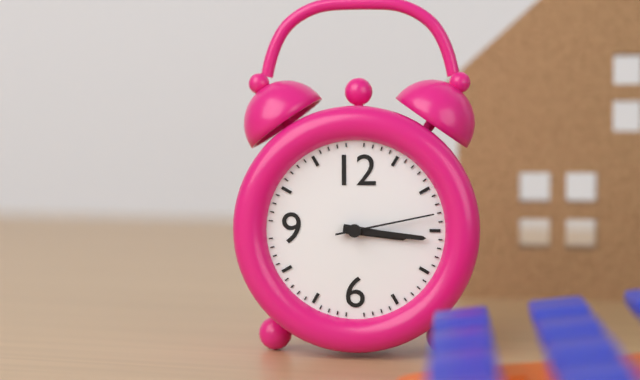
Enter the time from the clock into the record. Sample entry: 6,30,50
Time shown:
3,16,13
